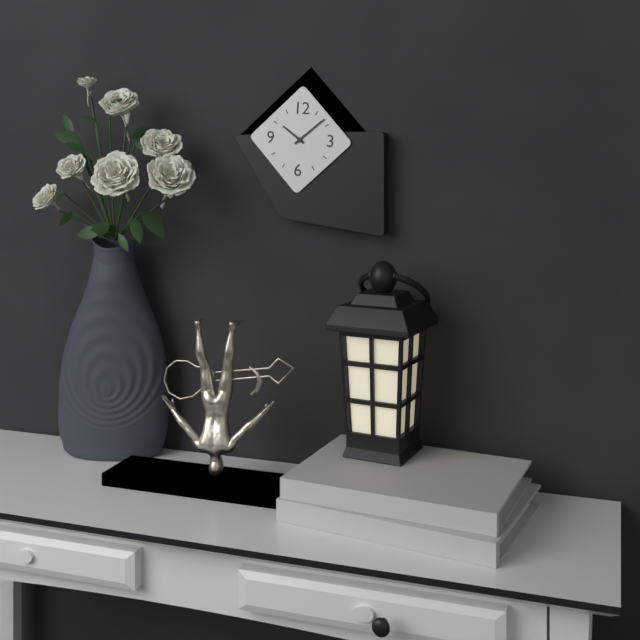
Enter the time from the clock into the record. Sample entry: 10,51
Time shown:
10,08
